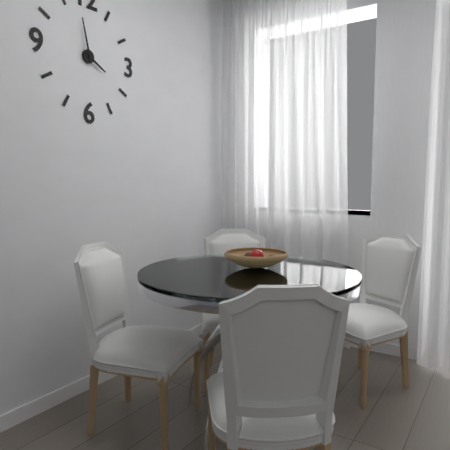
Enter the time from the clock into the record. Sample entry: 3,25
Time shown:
3,58
